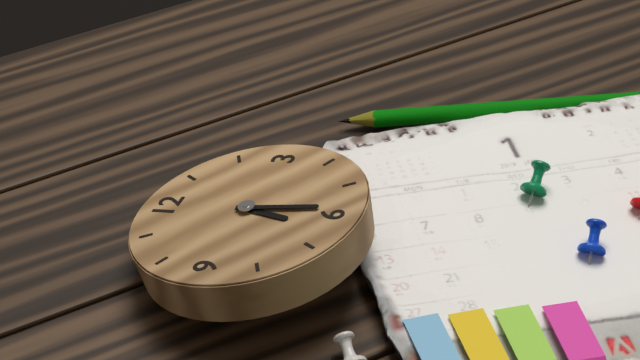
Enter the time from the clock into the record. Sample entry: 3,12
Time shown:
6,29
